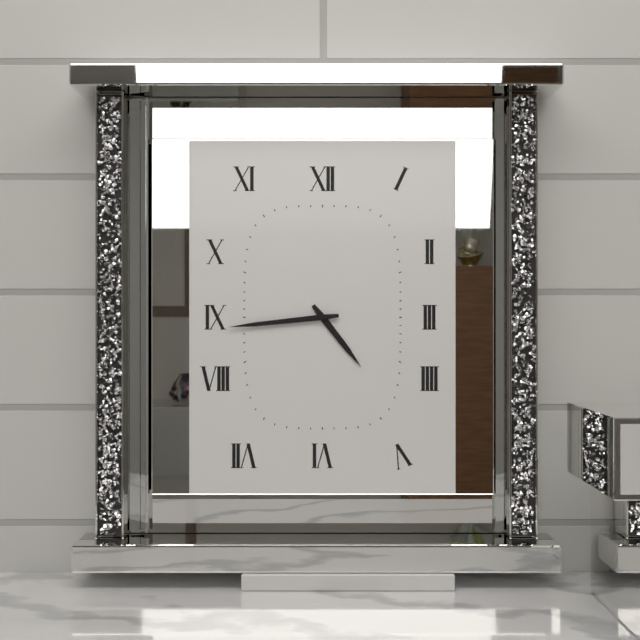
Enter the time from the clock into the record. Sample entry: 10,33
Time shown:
4,44
